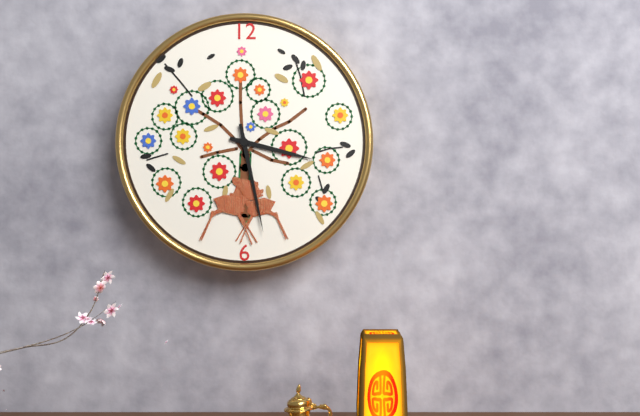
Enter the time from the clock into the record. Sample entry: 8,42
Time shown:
3,28
